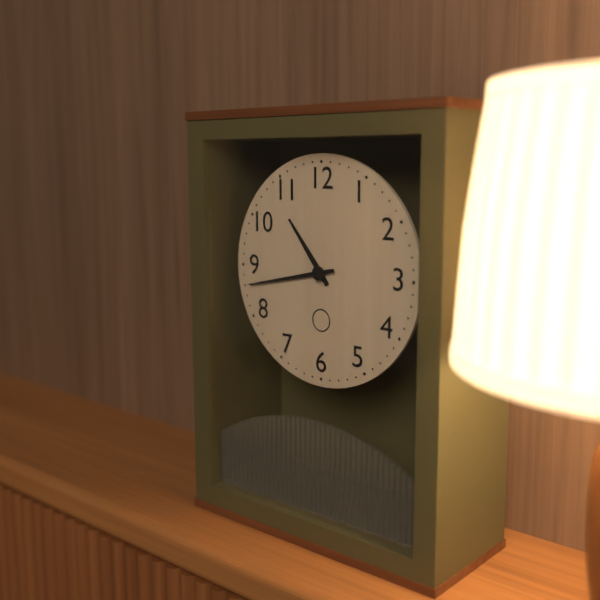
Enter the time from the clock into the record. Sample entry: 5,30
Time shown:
10,43
